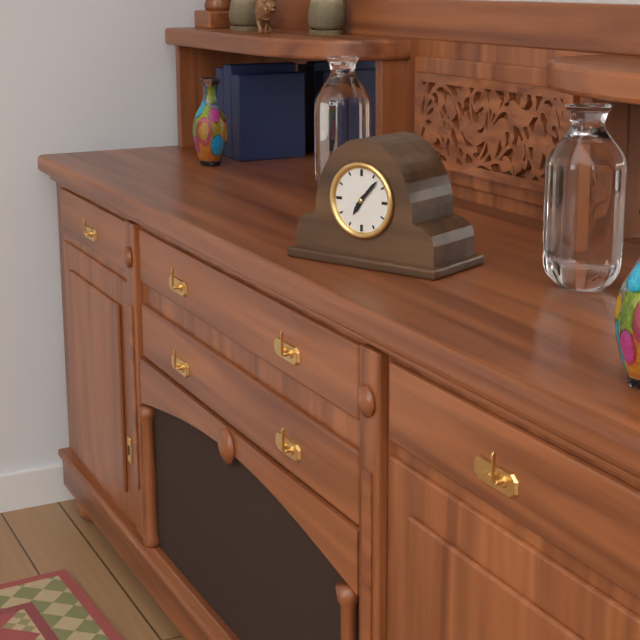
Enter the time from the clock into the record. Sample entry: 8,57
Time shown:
7,07
